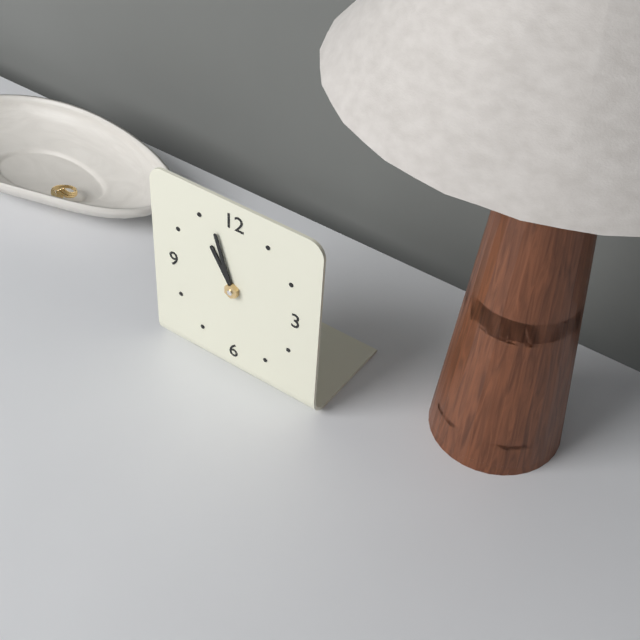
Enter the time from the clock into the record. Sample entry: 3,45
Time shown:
10,57
